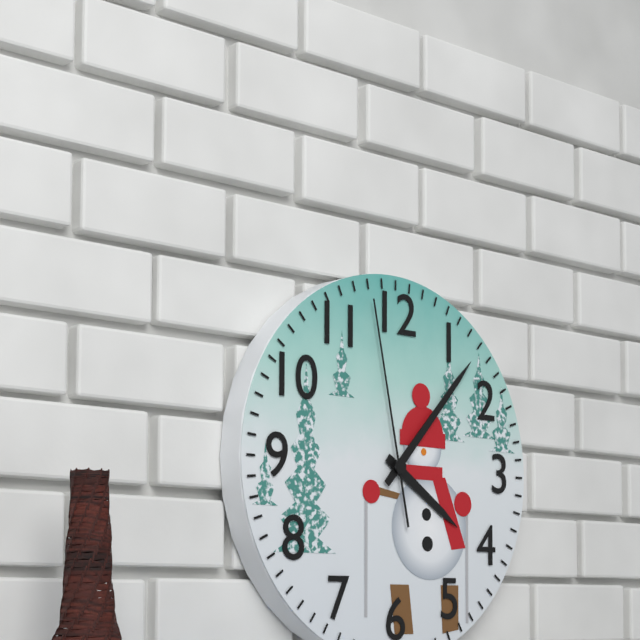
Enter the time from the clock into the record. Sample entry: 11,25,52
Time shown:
4,07,58
